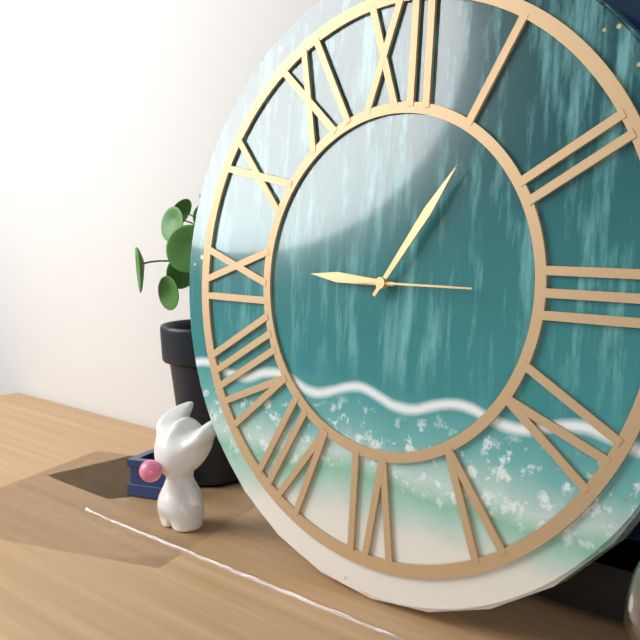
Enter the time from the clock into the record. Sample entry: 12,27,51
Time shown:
9,06,15
